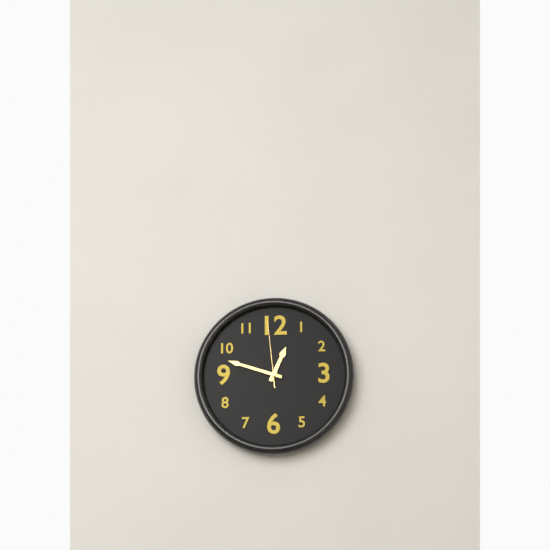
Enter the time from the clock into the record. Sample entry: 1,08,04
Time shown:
12,48,59
